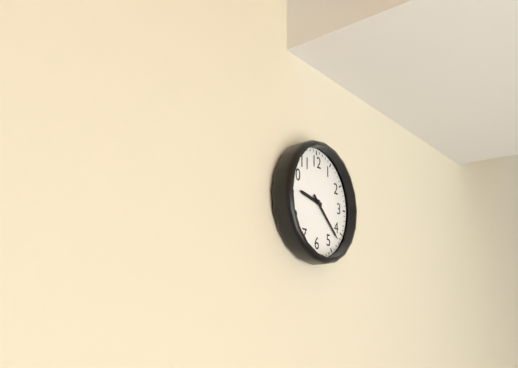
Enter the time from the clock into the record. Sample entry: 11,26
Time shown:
9,22
